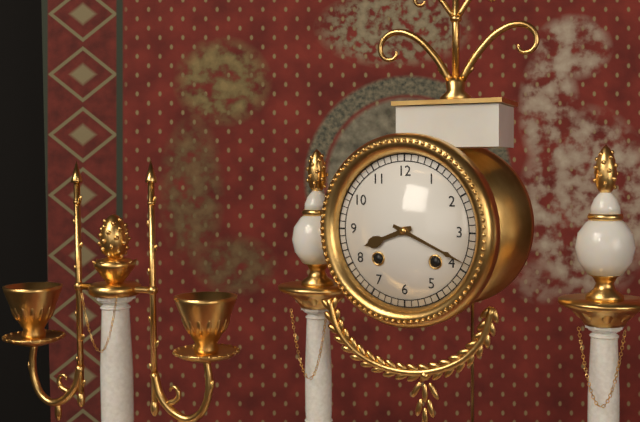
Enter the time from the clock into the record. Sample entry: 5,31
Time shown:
8,19
